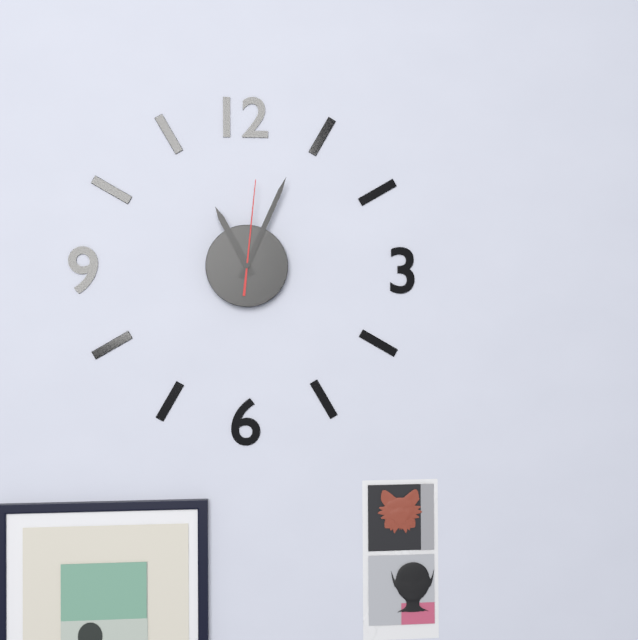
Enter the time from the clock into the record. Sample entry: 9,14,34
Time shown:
11,04,01
